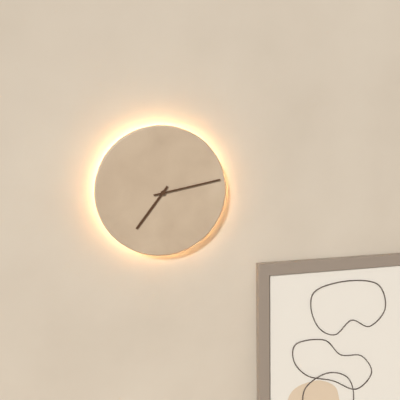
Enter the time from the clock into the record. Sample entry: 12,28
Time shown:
7,13
